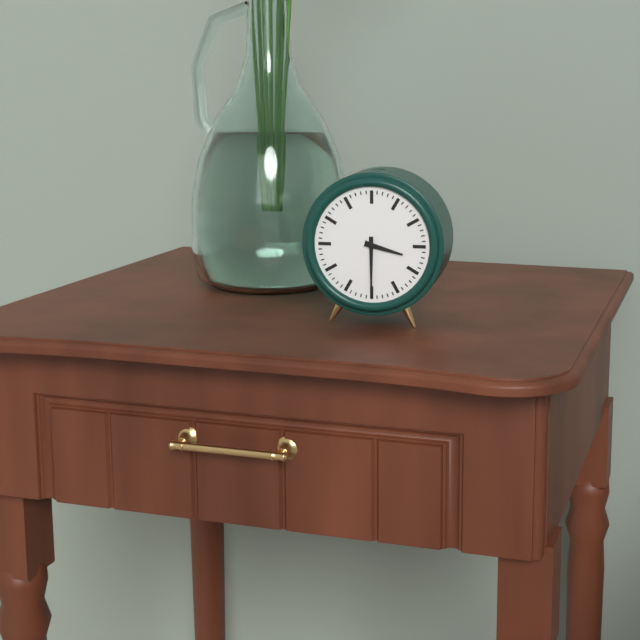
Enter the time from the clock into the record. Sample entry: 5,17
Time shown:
3,30
